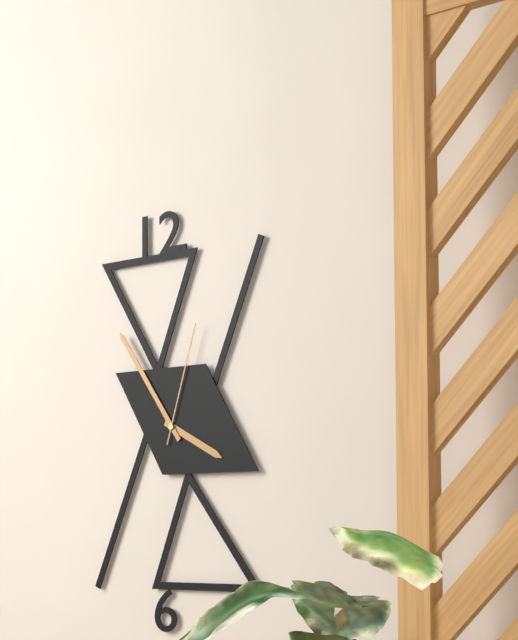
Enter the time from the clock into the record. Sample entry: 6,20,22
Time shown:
3,54,03
